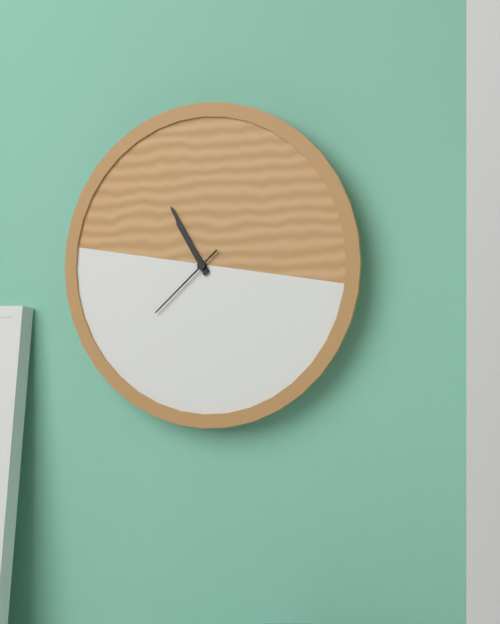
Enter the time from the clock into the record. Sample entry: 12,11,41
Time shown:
10,55,38
